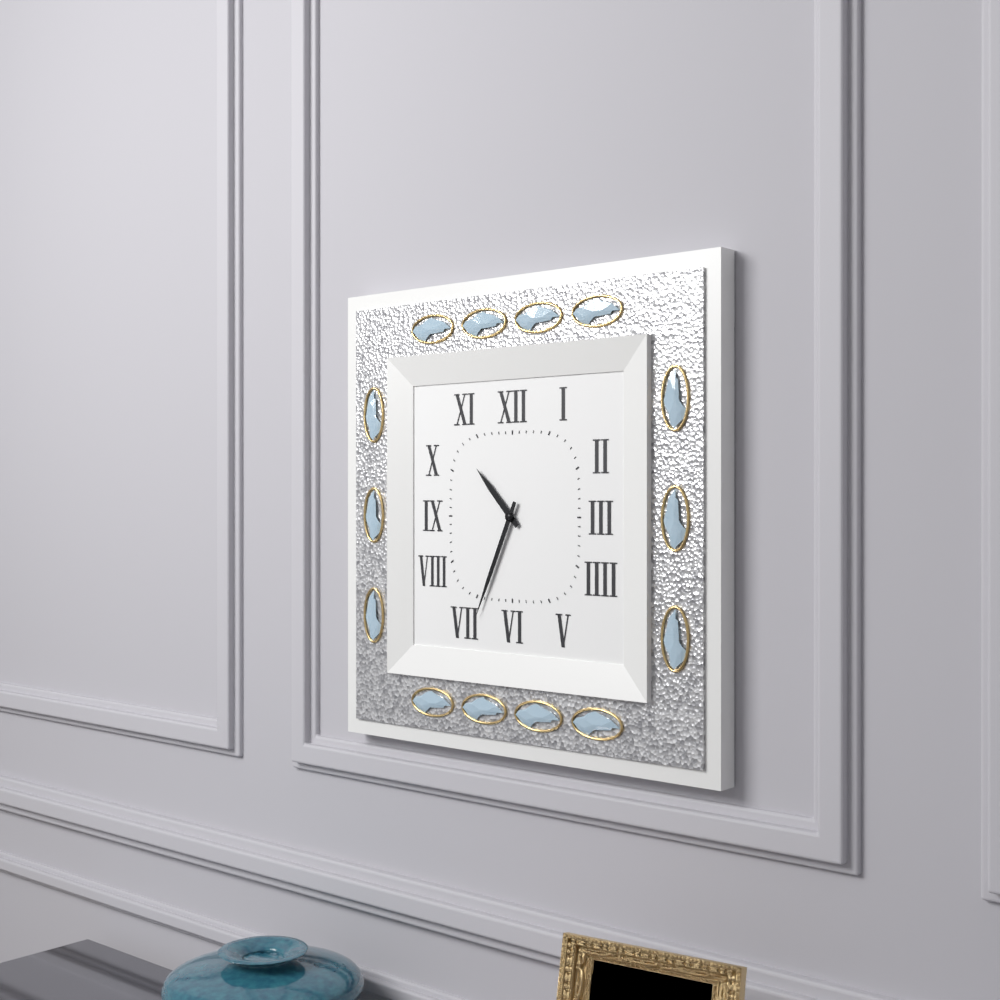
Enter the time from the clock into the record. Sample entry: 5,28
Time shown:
10,34
